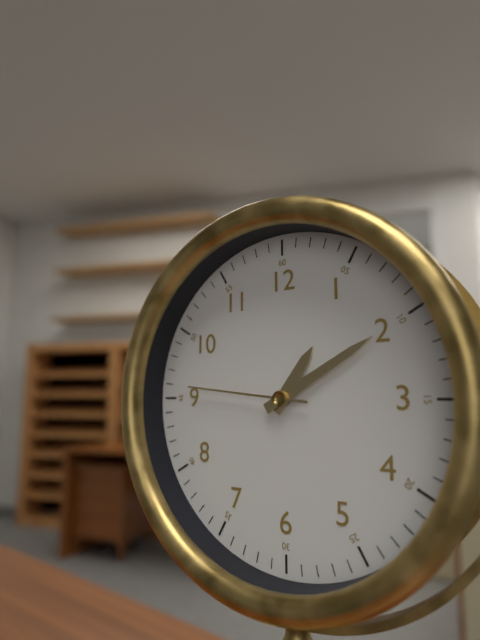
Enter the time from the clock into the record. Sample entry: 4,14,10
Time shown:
1,10,46
